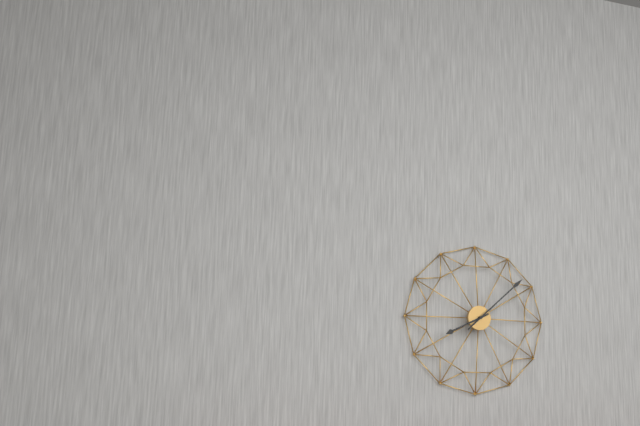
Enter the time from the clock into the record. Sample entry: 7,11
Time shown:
8,08
